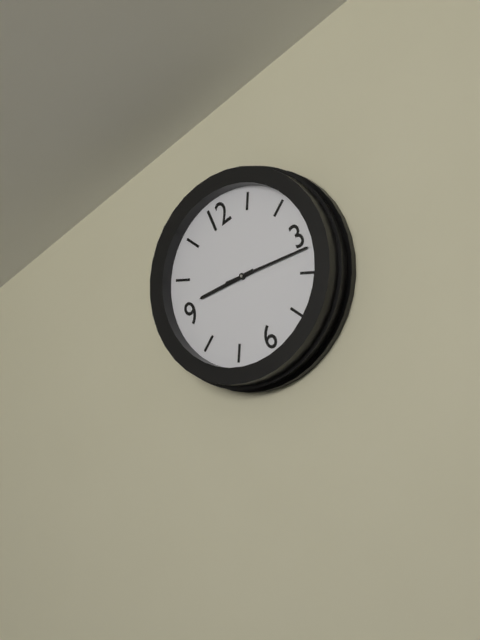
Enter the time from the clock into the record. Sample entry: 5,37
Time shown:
9,17
